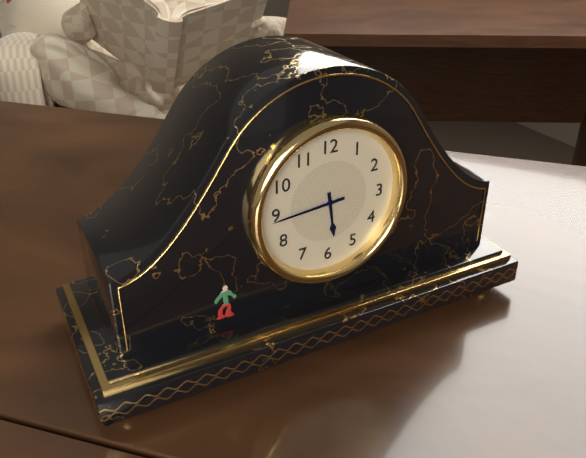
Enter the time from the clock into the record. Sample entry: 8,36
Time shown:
5,44
